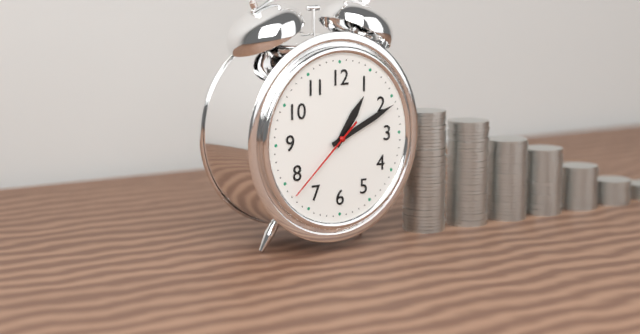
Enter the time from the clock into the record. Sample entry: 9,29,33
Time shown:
1,11,38
